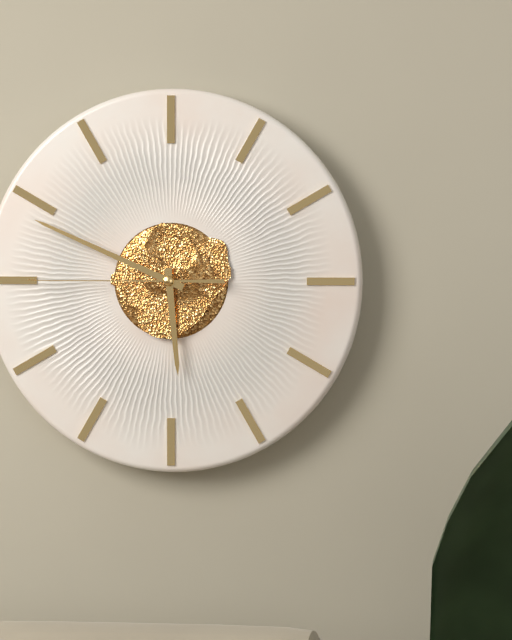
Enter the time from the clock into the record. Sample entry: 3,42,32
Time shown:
5,49,45
